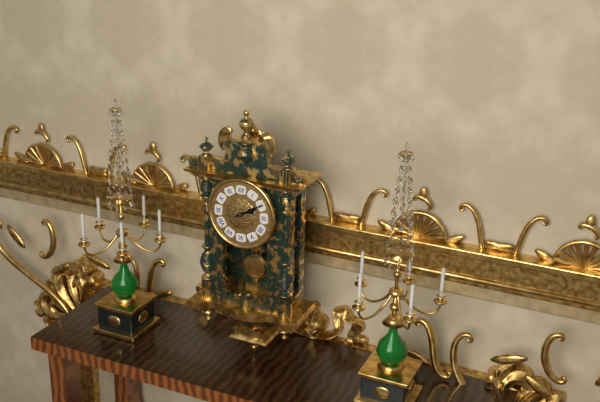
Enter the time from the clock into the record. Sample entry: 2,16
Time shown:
2,10
